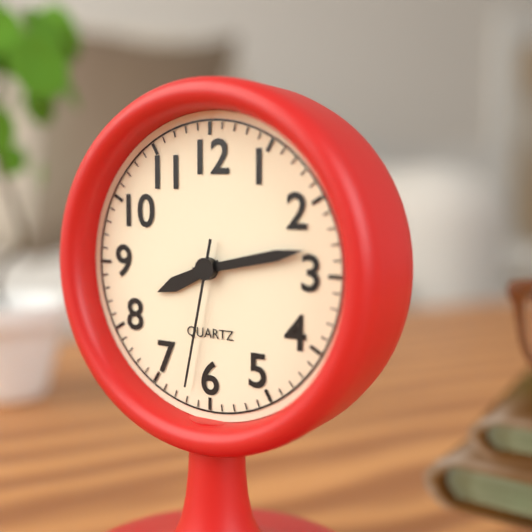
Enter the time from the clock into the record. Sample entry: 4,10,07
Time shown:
8,13,32
